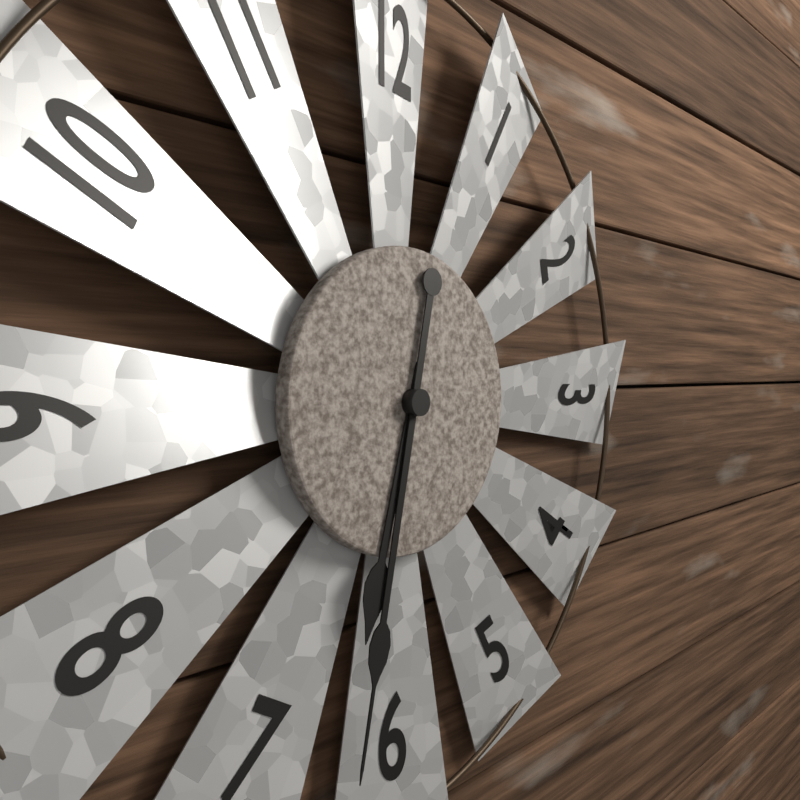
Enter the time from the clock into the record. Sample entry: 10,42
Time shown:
6,32
